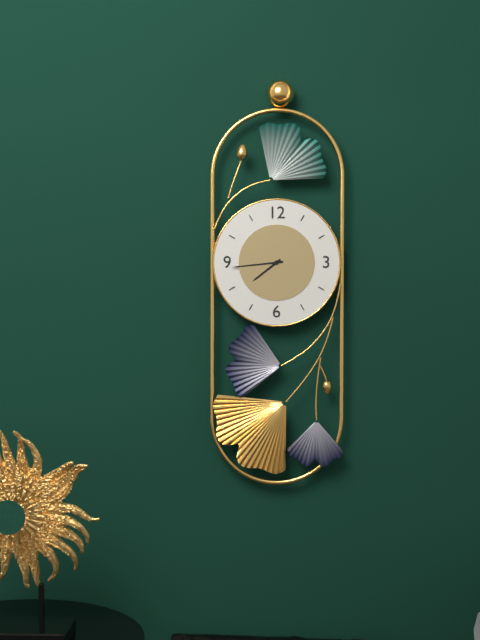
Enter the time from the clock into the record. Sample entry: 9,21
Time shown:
7,44
